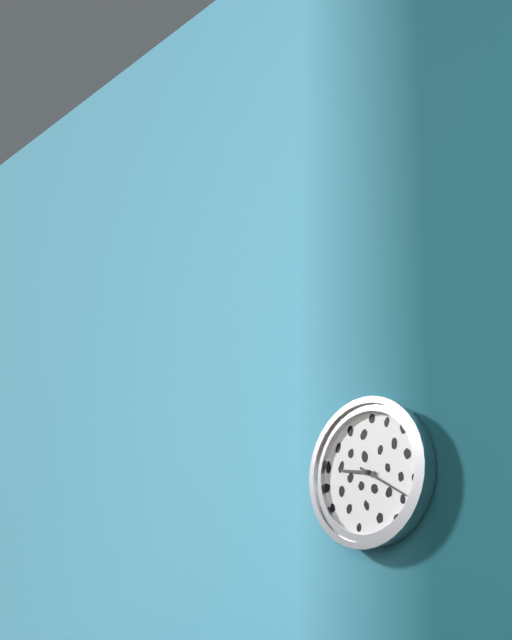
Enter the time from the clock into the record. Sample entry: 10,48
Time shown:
9,20
